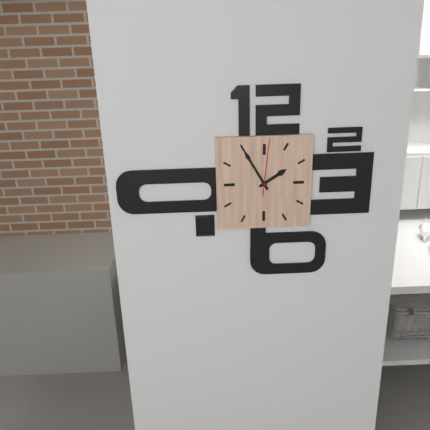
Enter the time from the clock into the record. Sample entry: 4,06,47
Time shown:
1,55,01
